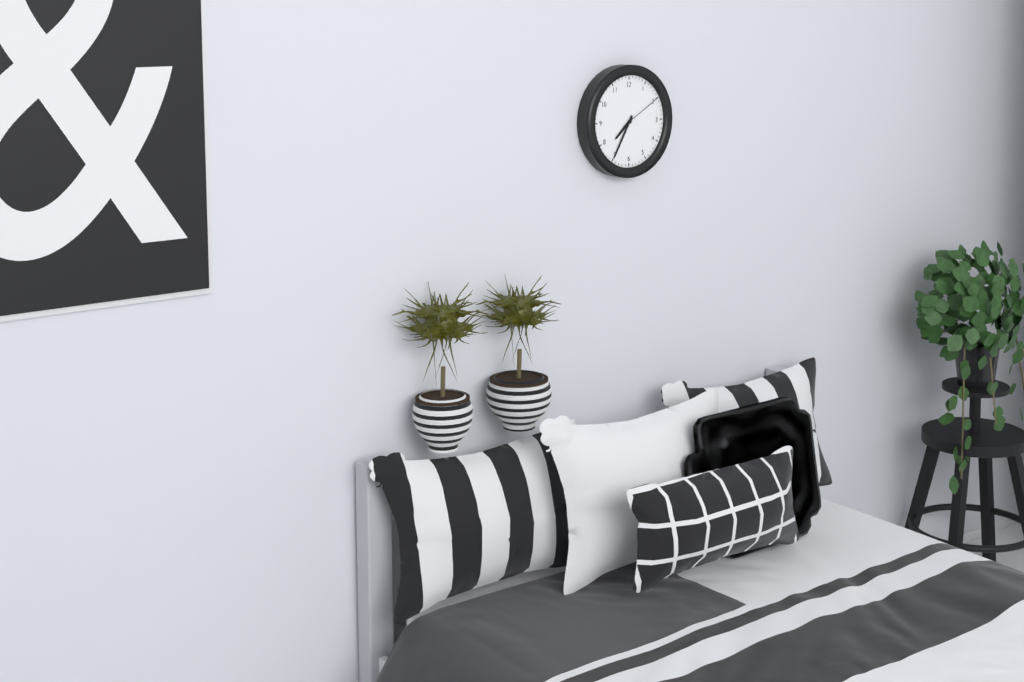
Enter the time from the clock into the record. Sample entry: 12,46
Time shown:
7,35
